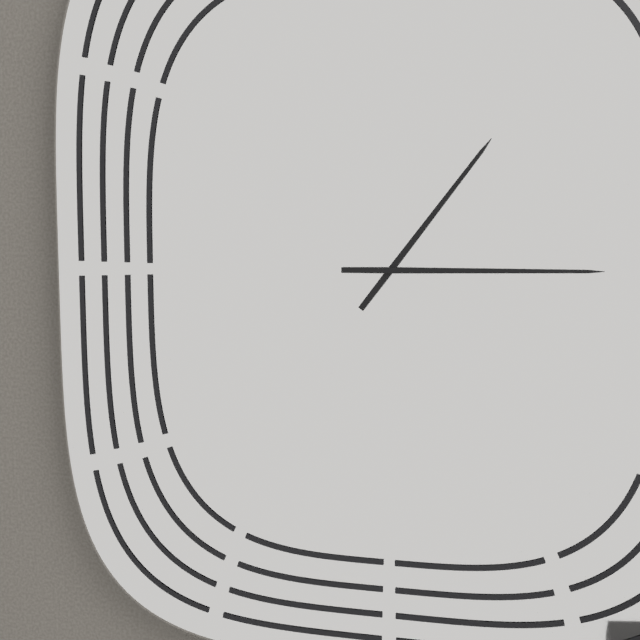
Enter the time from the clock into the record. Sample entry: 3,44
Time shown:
1,15
